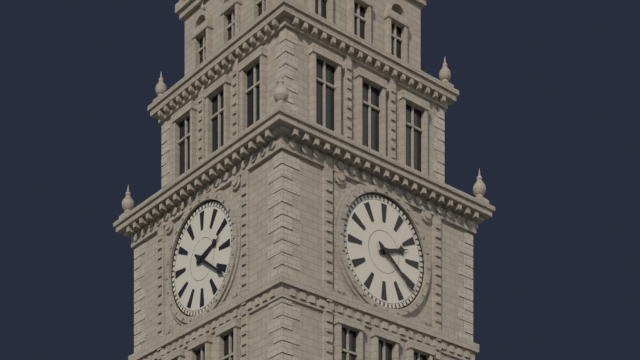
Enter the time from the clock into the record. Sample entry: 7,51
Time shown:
2,21
